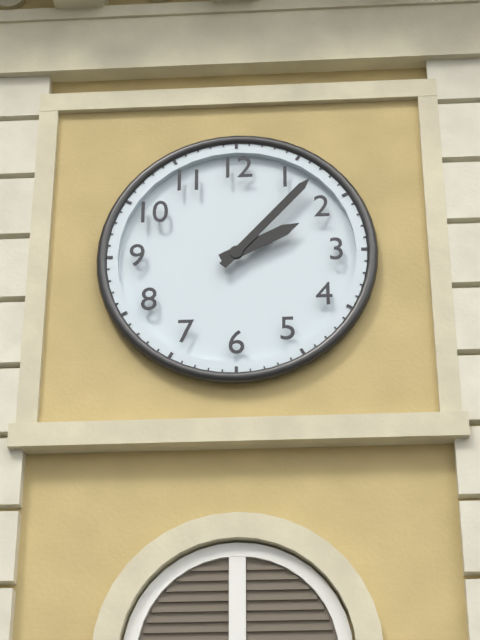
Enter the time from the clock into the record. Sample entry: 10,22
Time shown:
2,07
